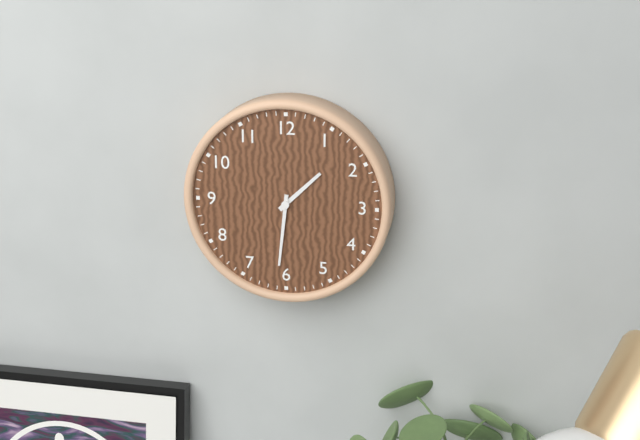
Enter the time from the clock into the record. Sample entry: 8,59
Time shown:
1,31
